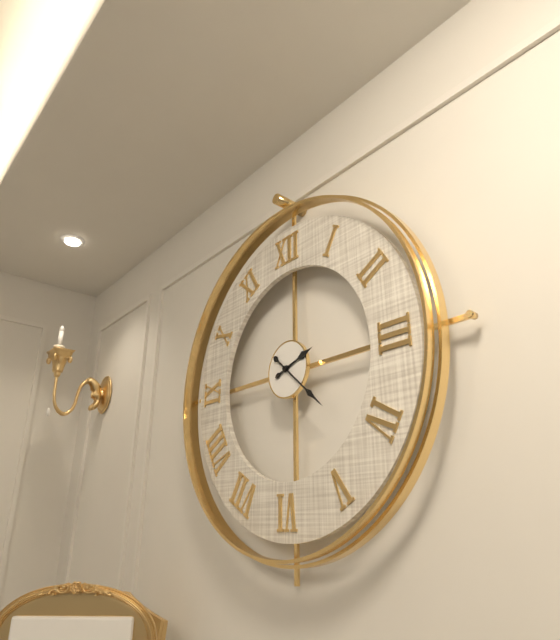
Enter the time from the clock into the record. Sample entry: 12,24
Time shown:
2,22
